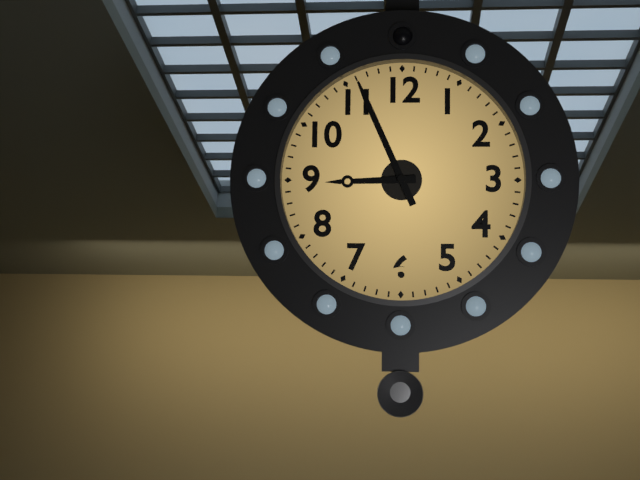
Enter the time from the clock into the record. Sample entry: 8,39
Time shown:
8,56
